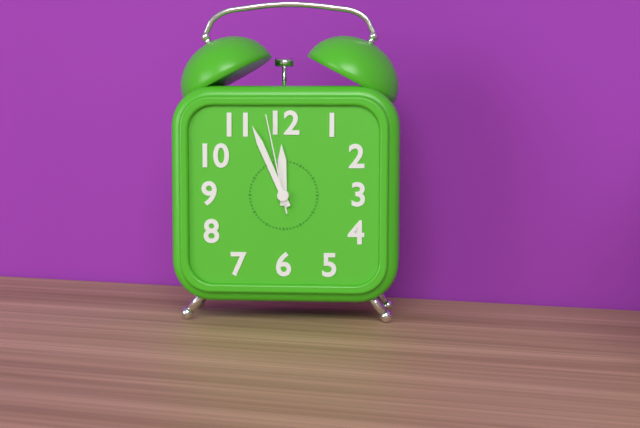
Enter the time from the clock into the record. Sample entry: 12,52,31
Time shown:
11,56,58
